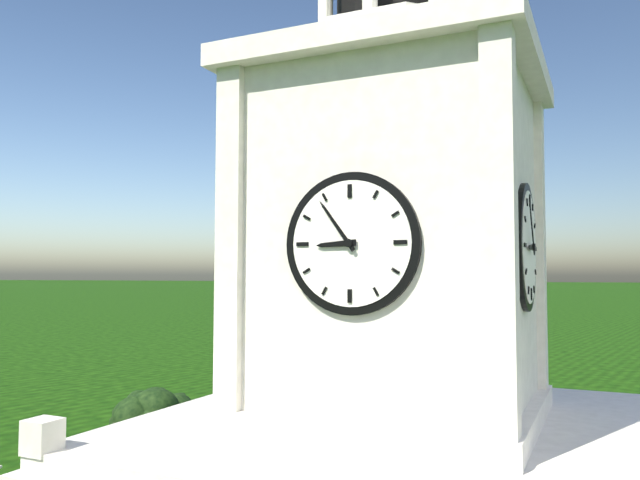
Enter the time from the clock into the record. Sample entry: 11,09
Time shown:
8,54
